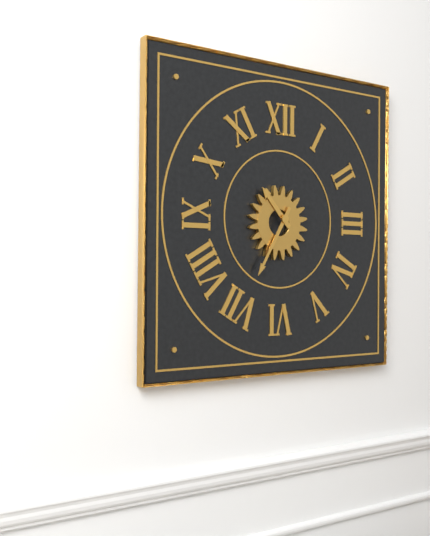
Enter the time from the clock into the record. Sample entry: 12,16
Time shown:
10,35
